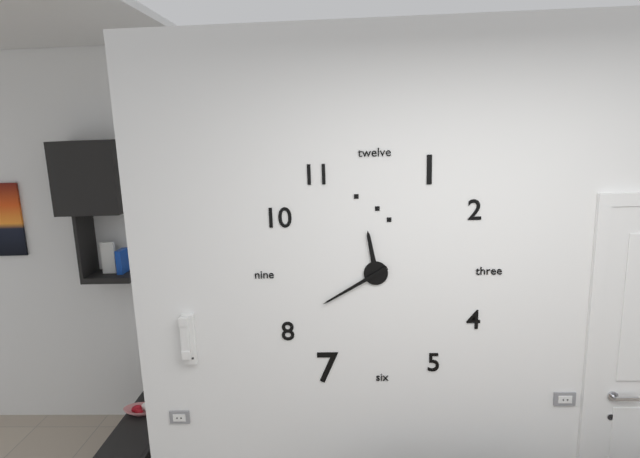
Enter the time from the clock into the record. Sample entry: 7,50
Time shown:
11,40
